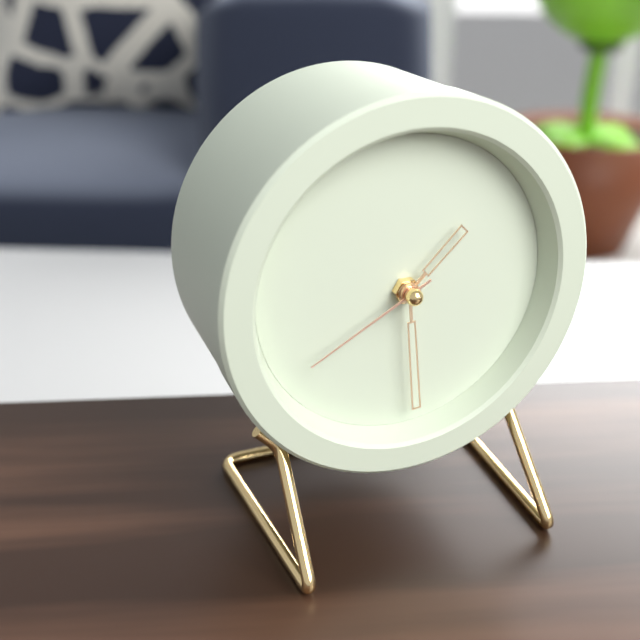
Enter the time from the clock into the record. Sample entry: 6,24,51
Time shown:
1,29,40
